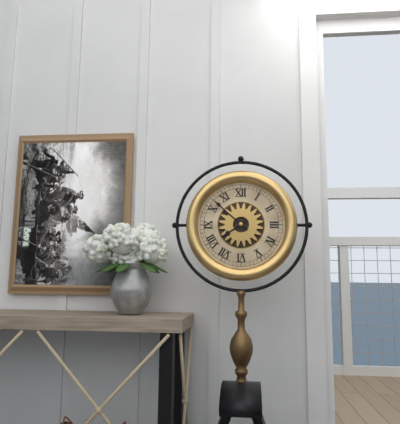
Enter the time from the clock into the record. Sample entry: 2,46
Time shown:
7,52
